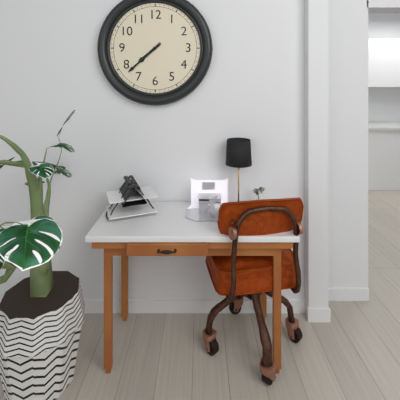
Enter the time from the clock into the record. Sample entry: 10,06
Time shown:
7,38
